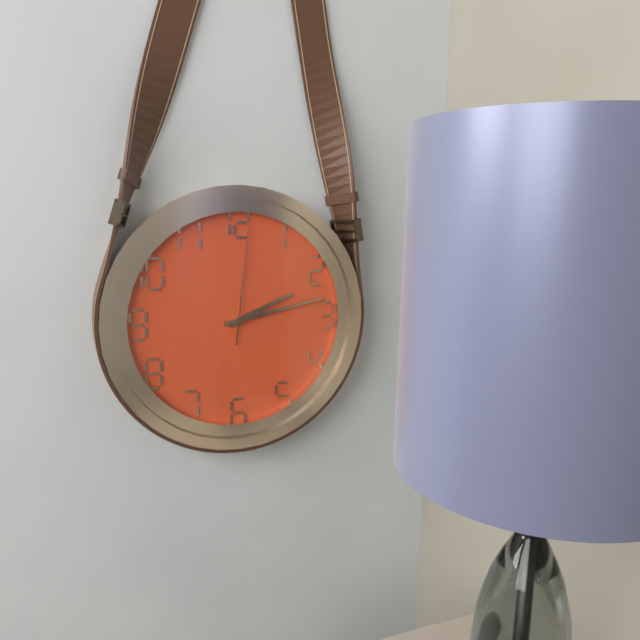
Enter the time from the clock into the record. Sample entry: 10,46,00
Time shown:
2,13,01
